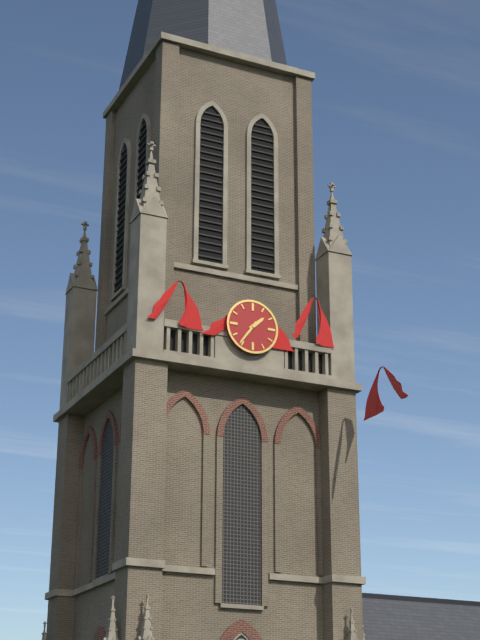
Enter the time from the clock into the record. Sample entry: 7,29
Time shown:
1,36
